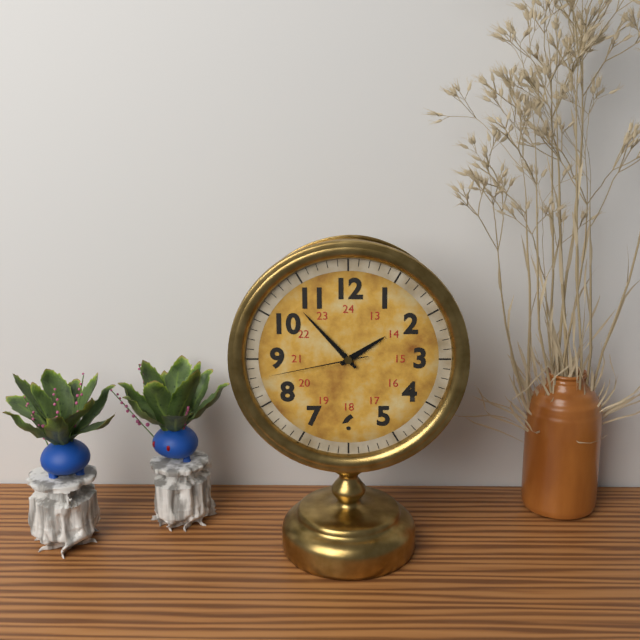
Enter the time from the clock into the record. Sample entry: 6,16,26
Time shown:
1,53,43
